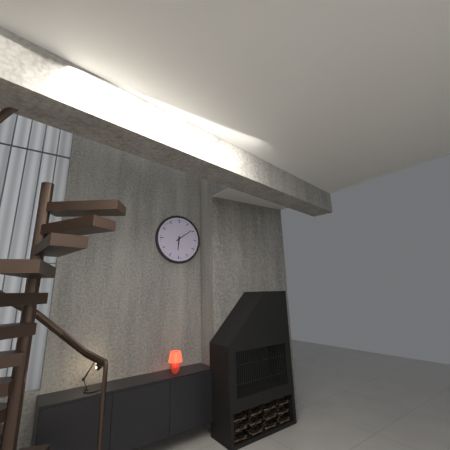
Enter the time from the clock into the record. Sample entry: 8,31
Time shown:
6,09
